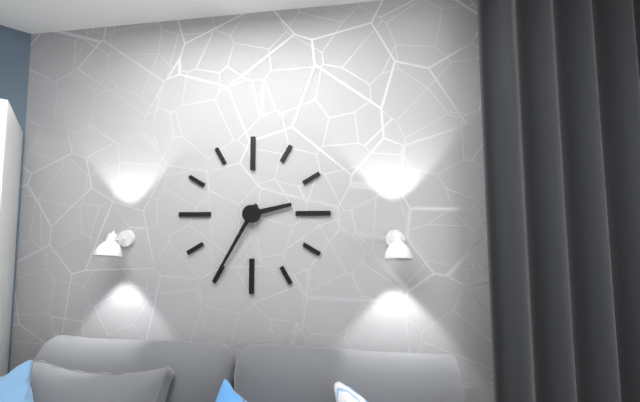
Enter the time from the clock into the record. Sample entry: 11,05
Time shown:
2,35
